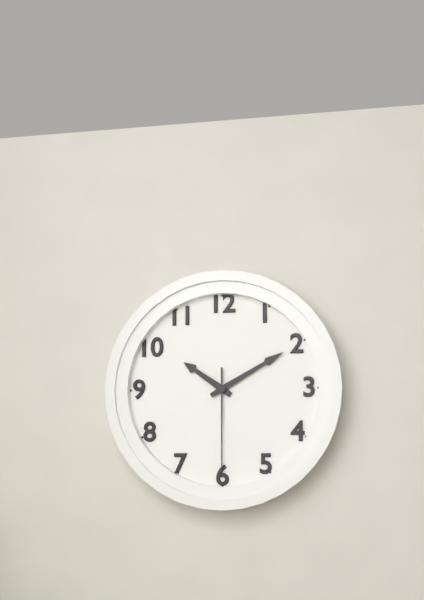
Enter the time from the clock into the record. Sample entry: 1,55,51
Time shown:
10,10,30
